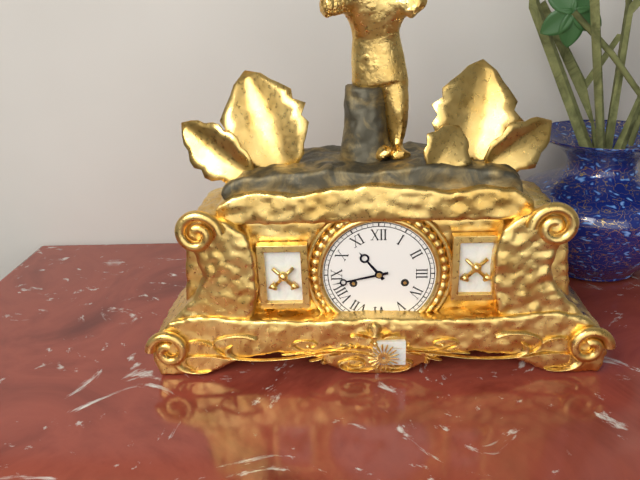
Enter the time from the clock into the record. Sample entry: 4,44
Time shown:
10,43
